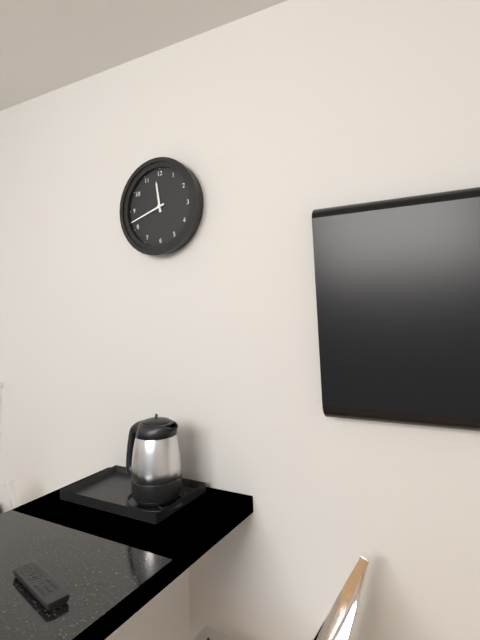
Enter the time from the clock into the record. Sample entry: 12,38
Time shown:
11,42
